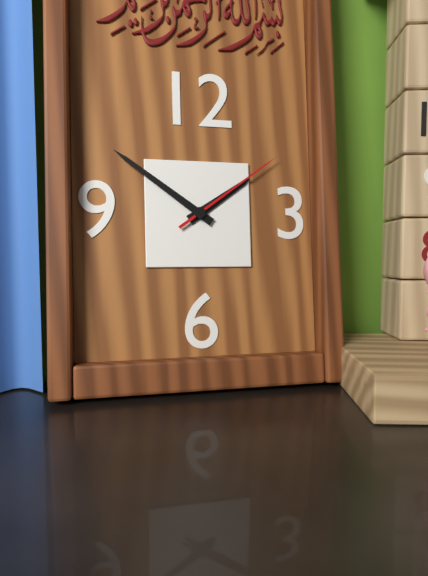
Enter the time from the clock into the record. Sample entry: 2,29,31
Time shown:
1,51,09
